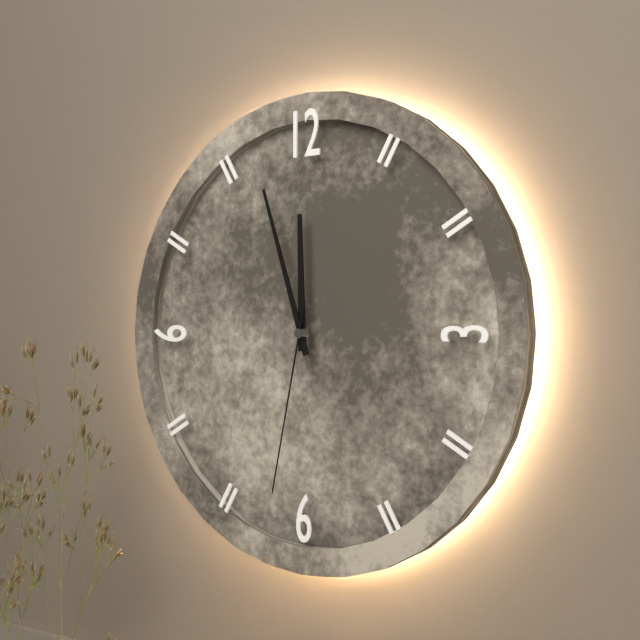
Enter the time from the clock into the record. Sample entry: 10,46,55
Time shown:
11,57,32
